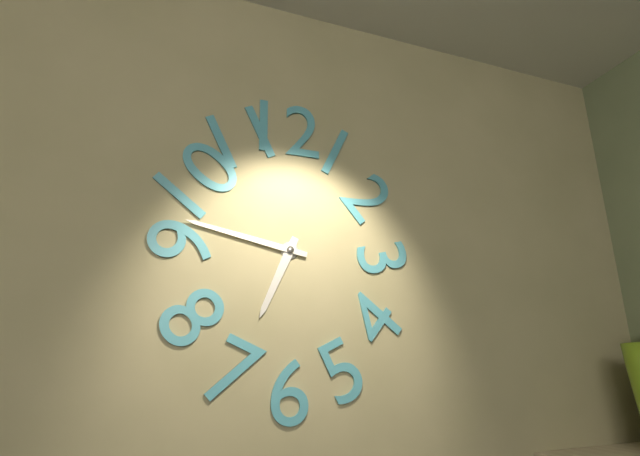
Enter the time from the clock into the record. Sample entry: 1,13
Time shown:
6,47
